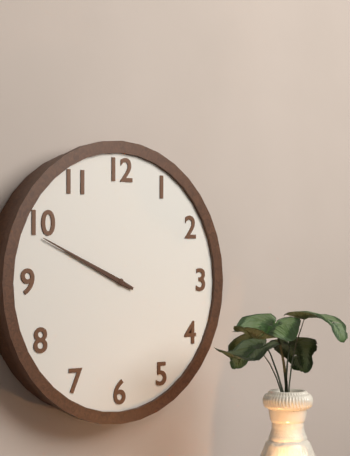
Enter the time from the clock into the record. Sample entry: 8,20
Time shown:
9,49
